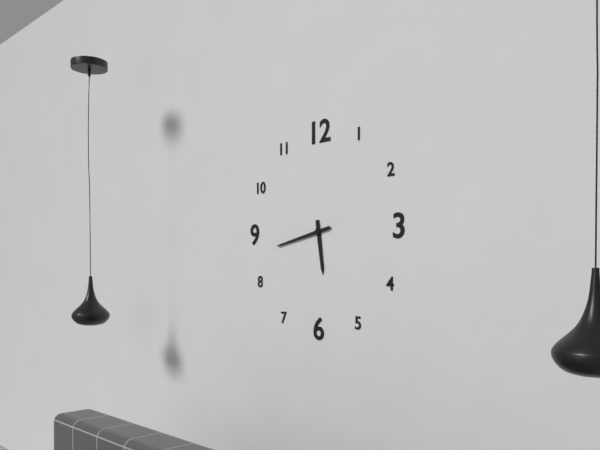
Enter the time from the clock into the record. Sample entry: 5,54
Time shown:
5,43
